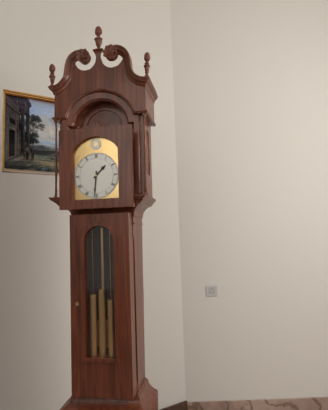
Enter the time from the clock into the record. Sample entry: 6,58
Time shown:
1,31
